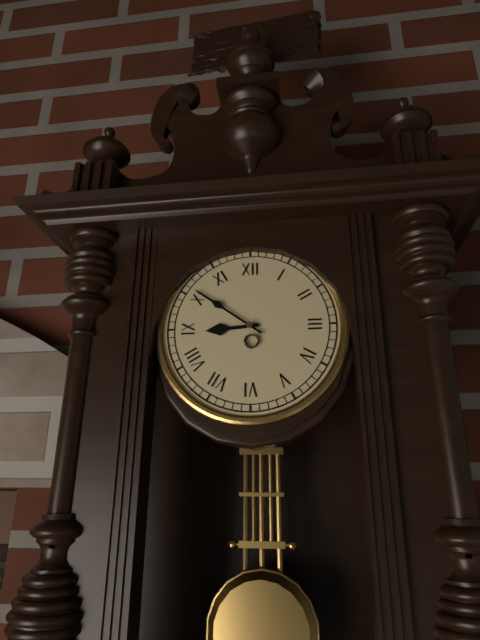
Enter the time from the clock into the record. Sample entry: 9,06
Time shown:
8,51
